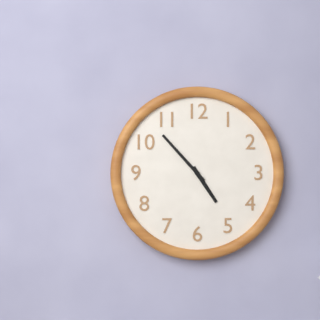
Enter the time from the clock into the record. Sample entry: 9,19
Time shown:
4,53
